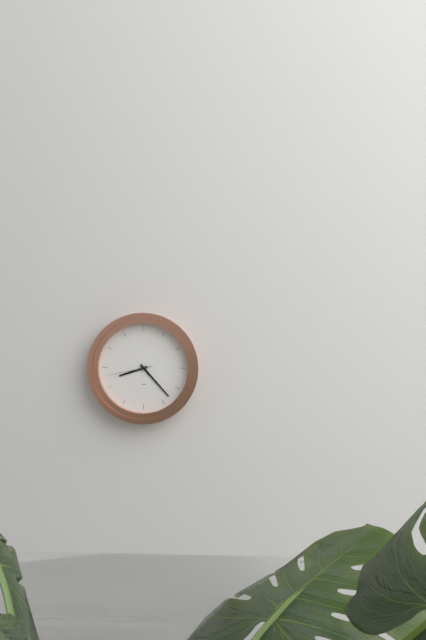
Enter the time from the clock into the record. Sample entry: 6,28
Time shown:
8,23
